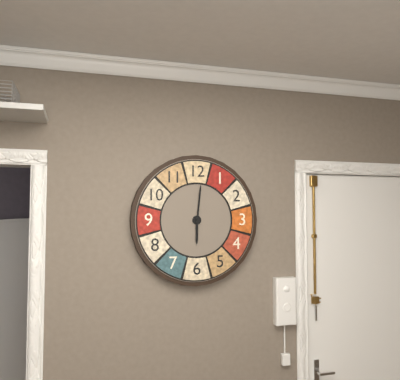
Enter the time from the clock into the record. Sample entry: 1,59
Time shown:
6,01
